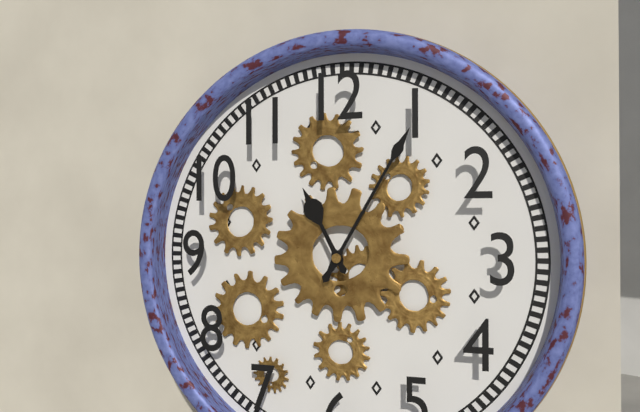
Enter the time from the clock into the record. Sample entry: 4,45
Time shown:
11,05
